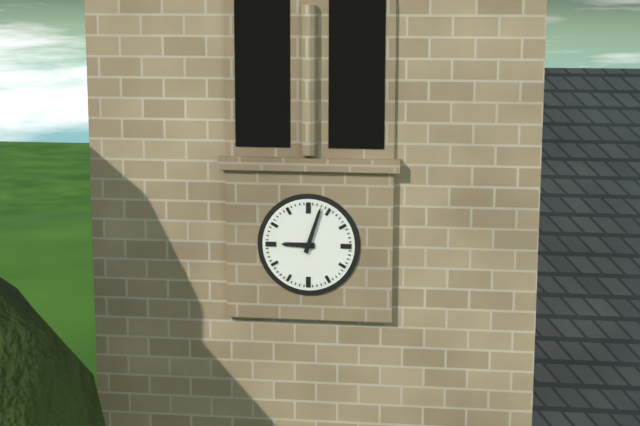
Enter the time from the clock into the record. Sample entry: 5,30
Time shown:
9,03
